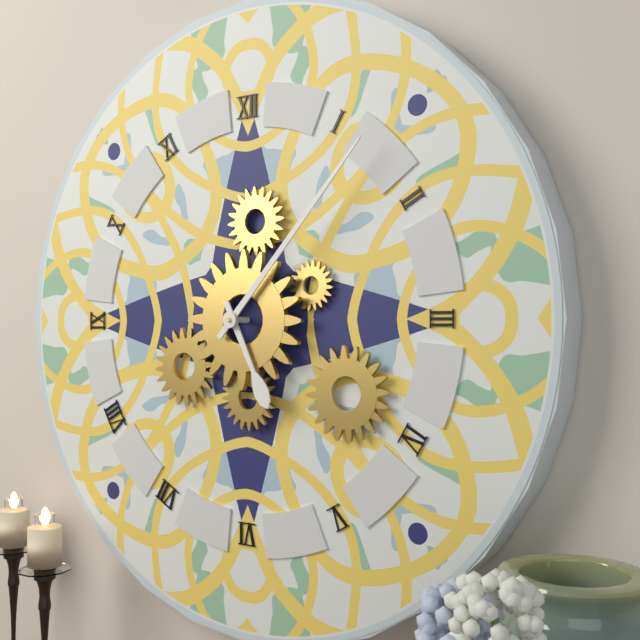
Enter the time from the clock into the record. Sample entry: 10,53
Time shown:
5,07
